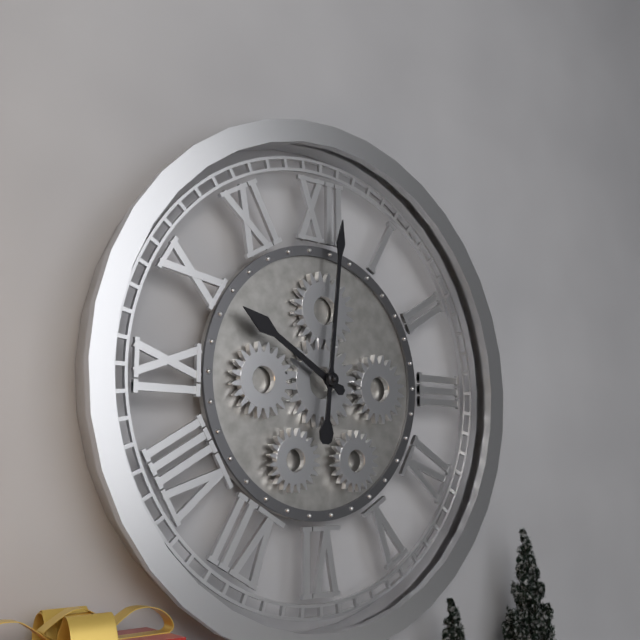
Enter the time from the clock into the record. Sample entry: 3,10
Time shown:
10,01
